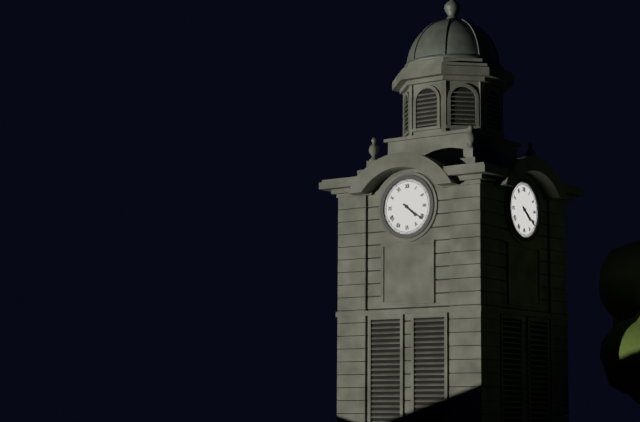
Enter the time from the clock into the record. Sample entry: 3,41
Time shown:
4,21
